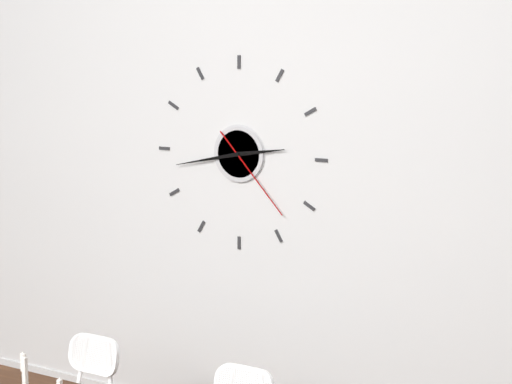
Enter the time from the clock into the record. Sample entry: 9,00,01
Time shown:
2,43,23
